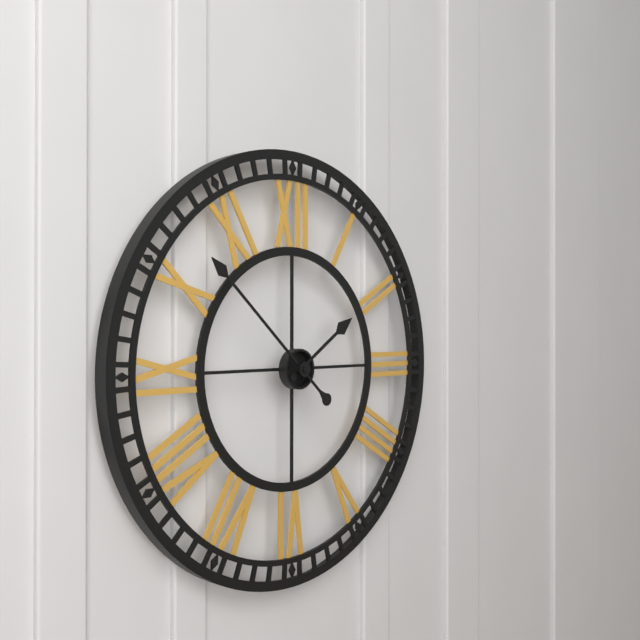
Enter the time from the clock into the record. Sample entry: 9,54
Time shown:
1,52
